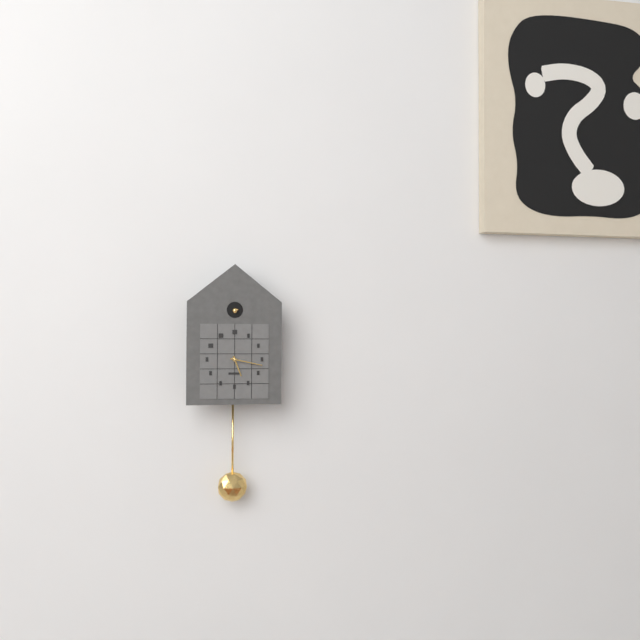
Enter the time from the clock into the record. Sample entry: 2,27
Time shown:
5,17
